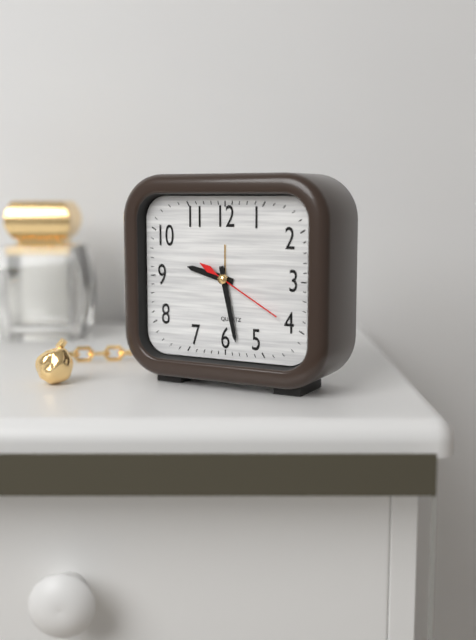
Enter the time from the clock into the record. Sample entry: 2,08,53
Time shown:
9,28,20
